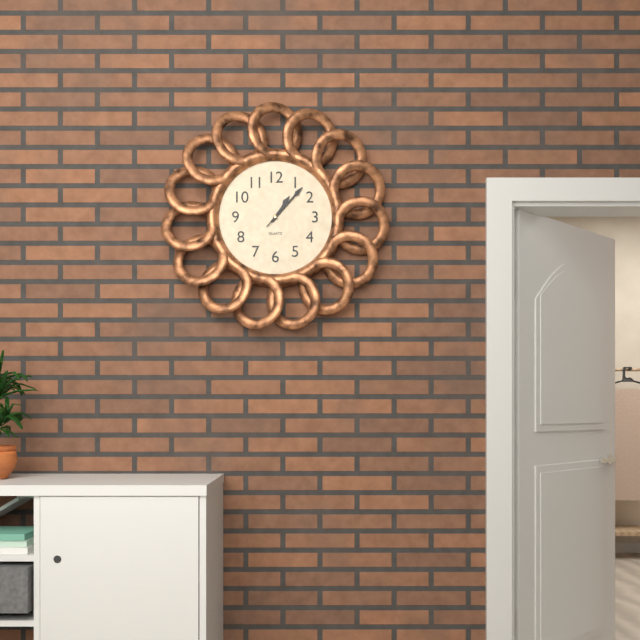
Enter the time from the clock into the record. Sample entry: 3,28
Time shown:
1,07
